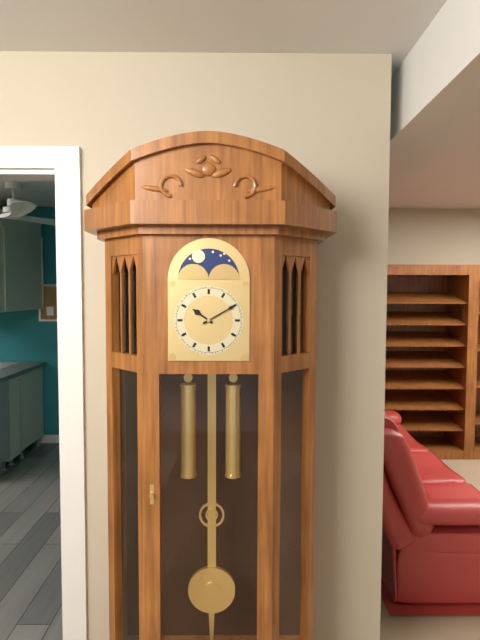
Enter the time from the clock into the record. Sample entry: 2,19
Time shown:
10,10
